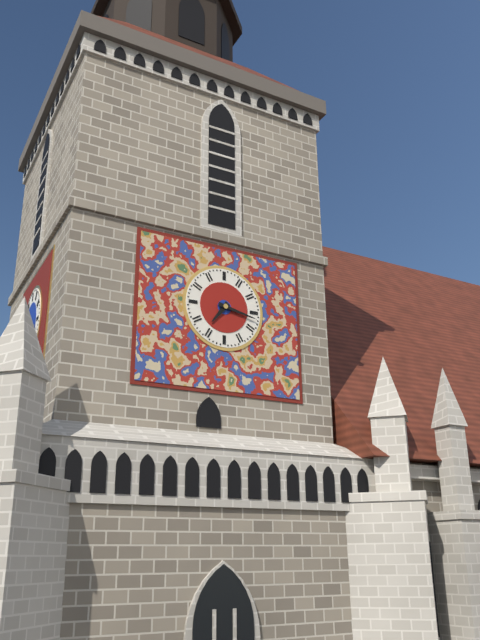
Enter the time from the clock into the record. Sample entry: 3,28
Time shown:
7,17
